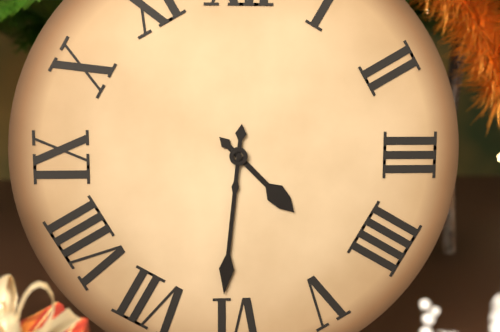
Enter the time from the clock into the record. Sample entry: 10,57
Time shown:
4,31
